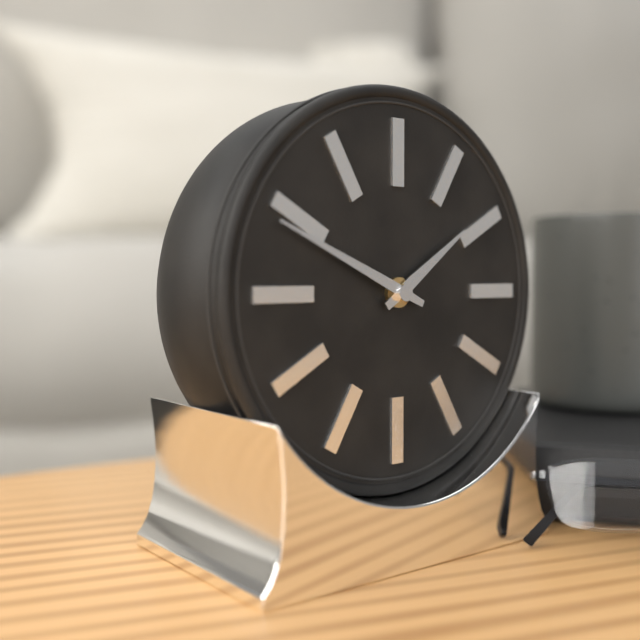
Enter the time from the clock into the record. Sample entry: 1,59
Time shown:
1,49
